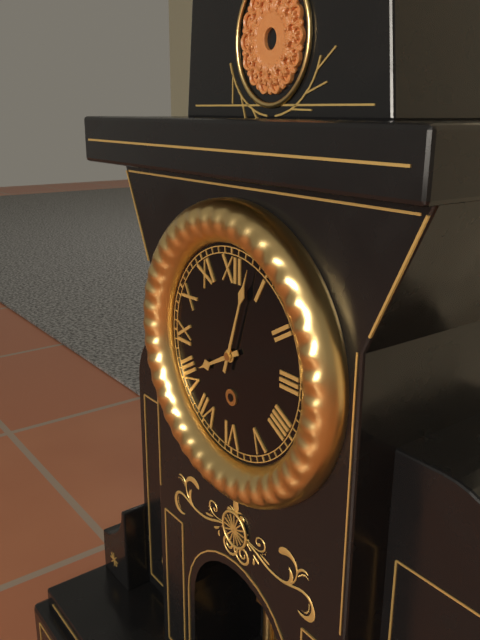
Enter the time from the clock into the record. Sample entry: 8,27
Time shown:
8,03
